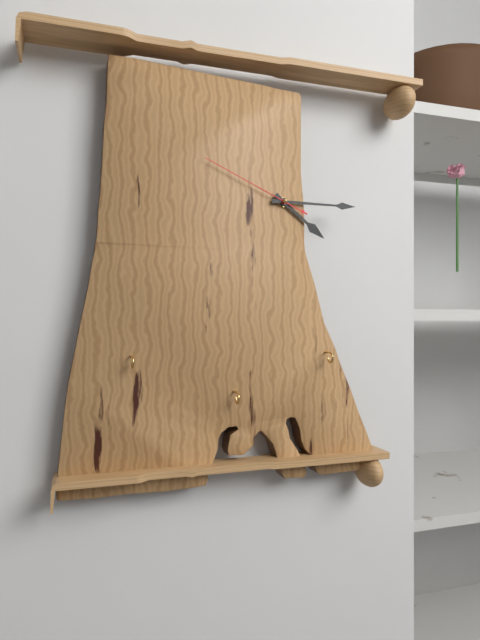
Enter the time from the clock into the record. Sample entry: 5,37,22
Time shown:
4,15,49
